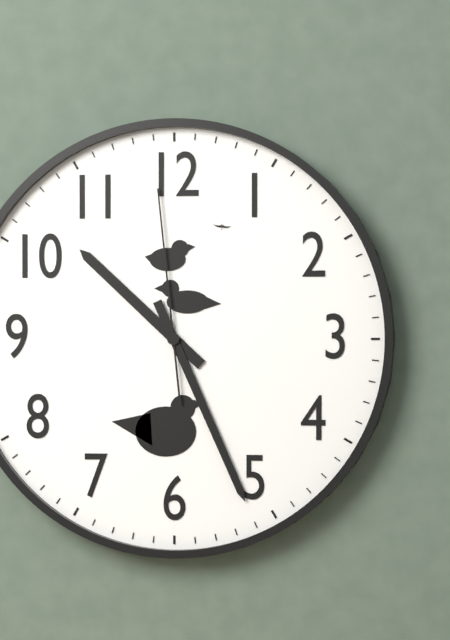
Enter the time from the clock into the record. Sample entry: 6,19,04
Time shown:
10,26,59
